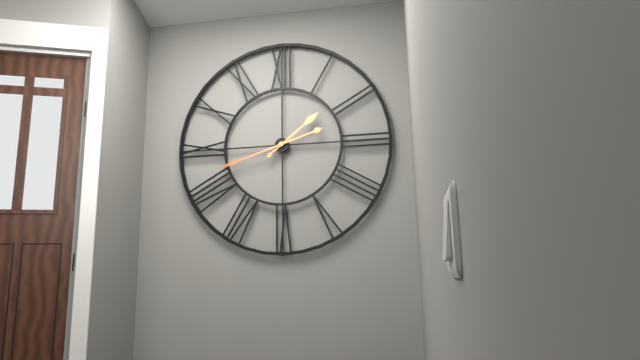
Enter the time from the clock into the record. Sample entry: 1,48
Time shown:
1,42
